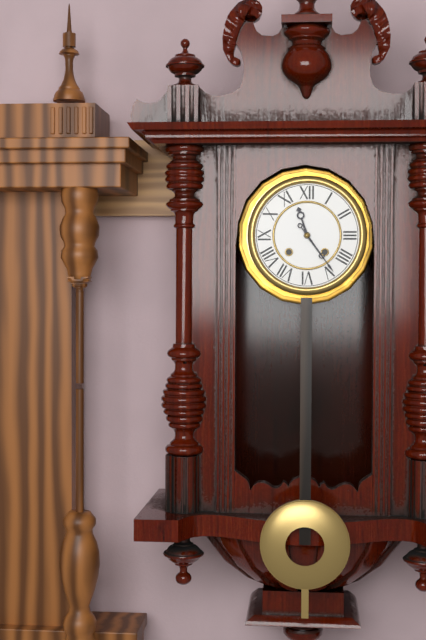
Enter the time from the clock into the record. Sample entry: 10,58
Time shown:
11,24
